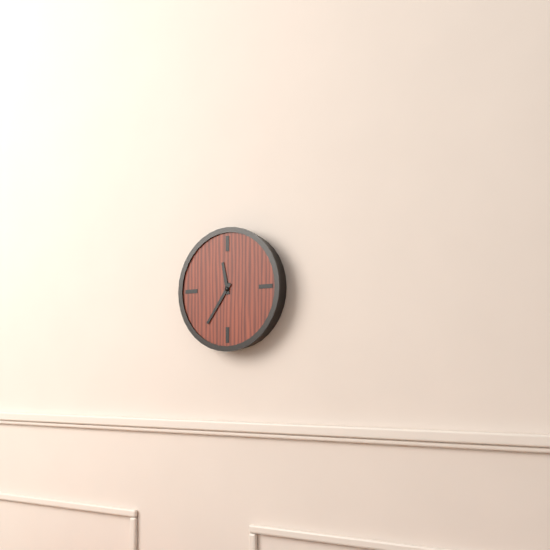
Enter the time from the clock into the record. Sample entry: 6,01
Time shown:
11,36
